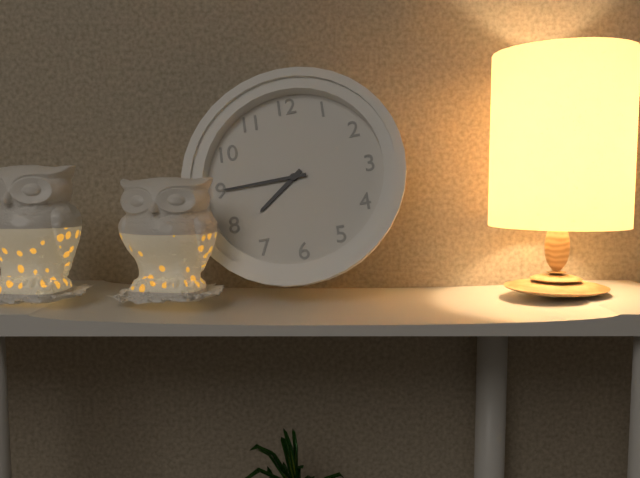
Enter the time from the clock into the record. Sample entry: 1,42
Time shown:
7,45
